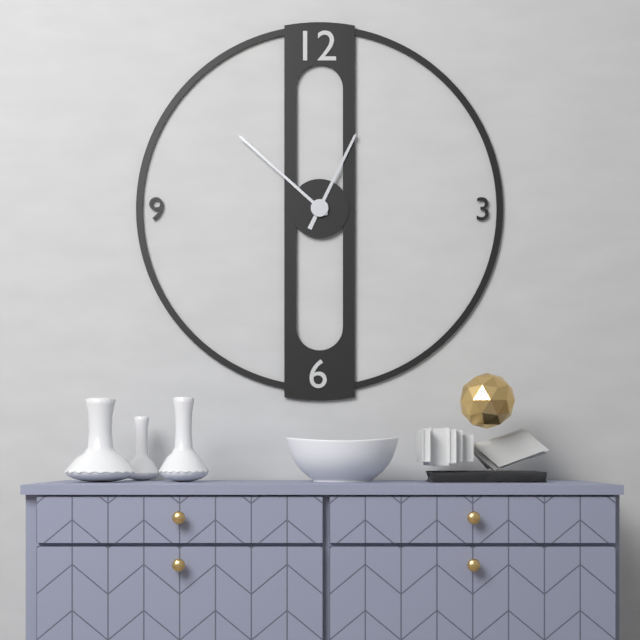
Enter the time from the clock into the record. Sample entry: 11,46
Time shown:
12,52
